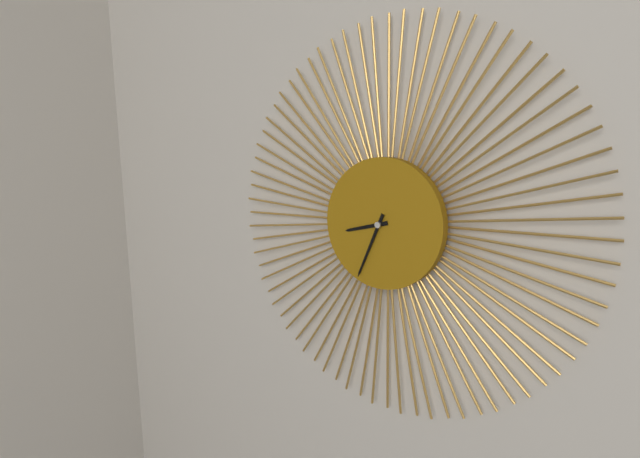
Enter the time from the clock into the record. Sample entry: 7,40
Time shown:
8,34
